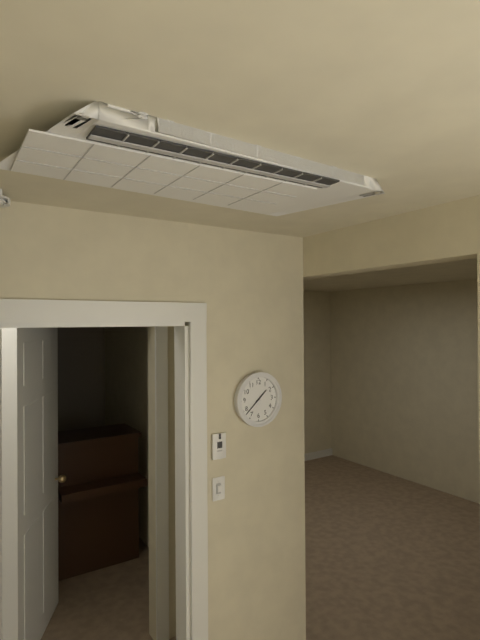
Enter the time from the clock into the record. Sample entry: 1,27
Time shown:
1,38
